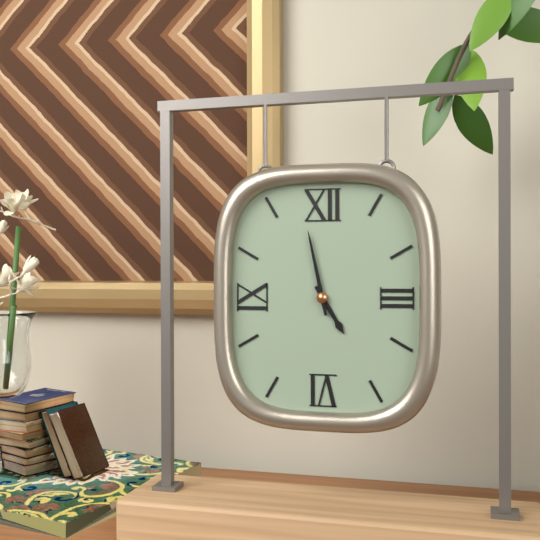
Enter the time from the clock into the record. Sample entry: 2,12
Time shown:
4,58
